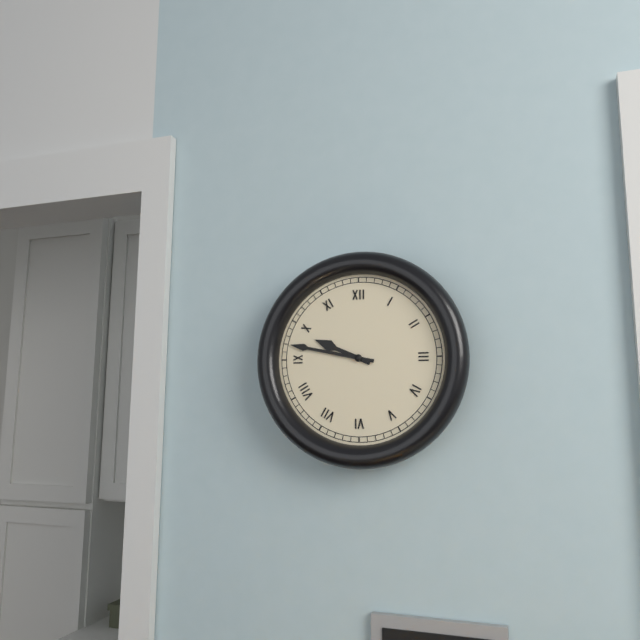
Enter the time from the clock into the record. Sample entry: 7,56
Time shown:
9,47
